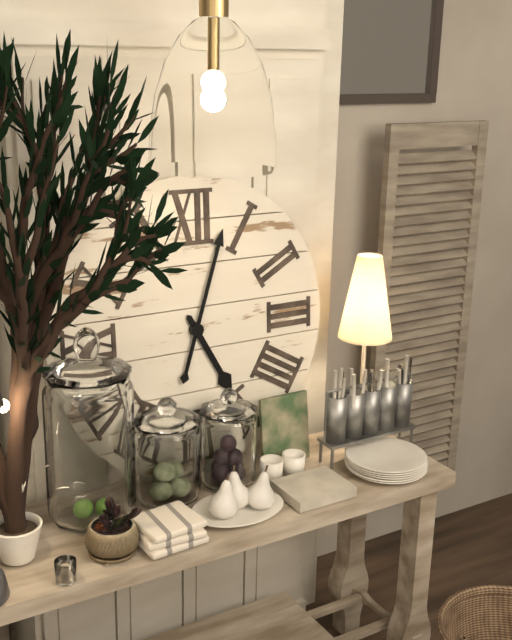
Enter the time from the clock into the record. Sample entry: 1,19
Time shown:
5,03
